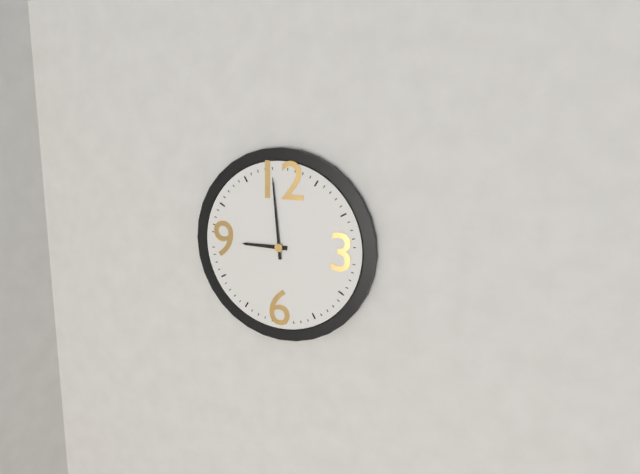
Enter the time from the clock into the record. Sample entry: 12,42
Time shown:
8,59
